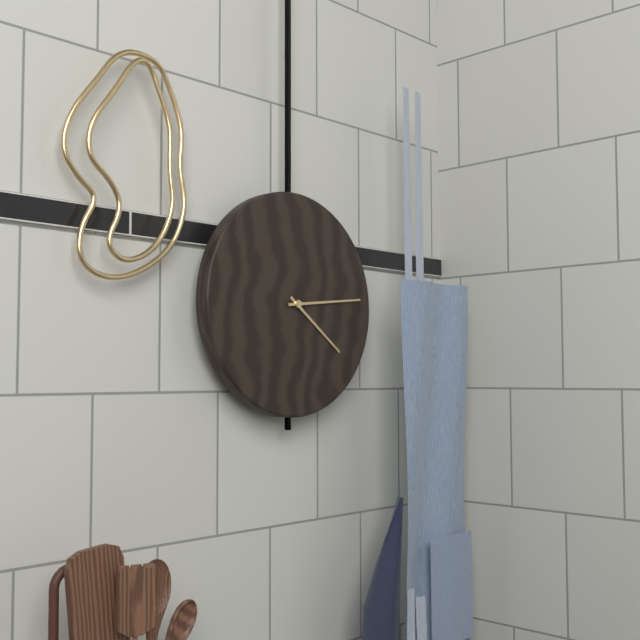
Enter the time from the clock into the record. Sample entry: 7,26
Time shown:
4,14
